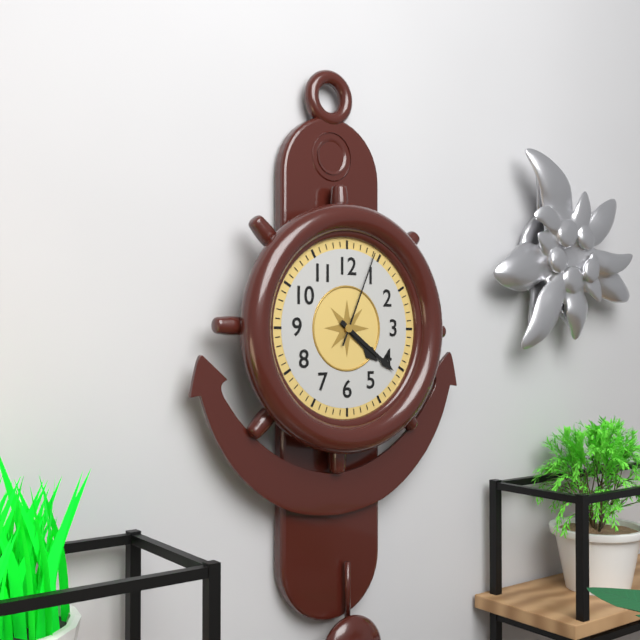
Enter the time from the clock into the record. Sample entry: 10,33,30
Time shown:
4,21,04
